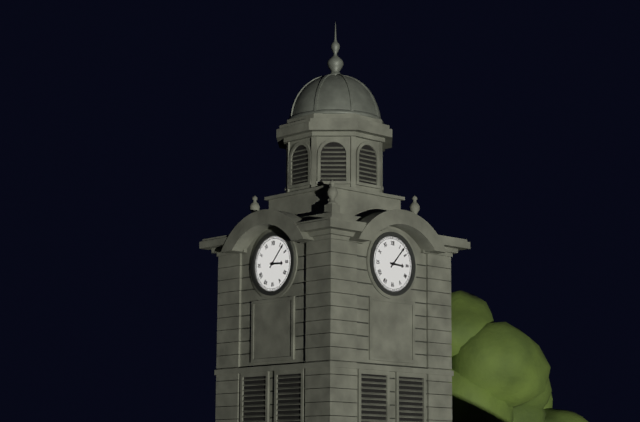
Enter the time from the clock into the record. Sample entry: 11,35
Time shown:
3,07
